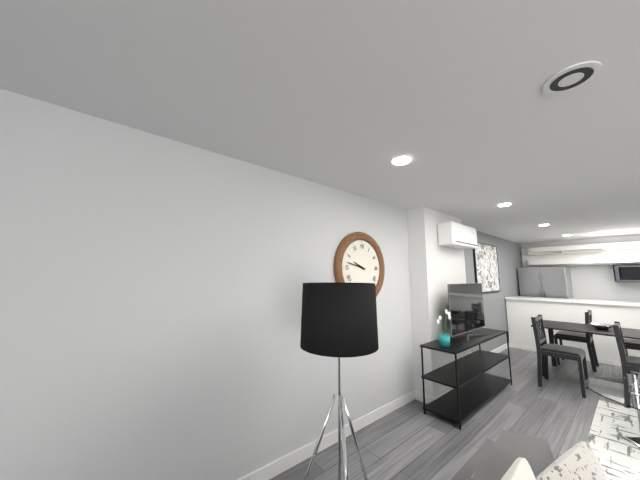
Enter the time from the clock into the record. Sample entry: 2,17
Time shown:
9,47
